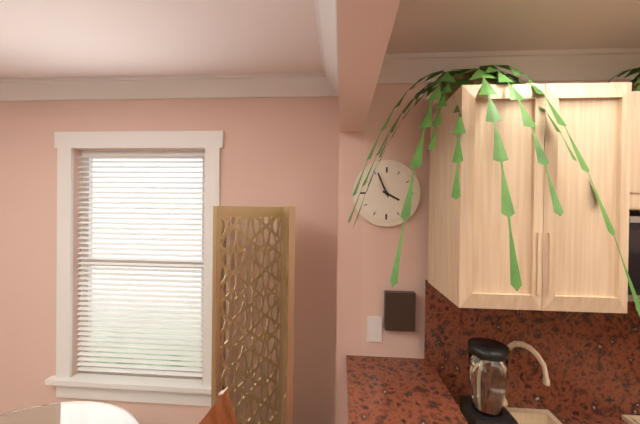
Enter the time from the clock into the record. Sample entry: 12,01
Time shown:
3,56
